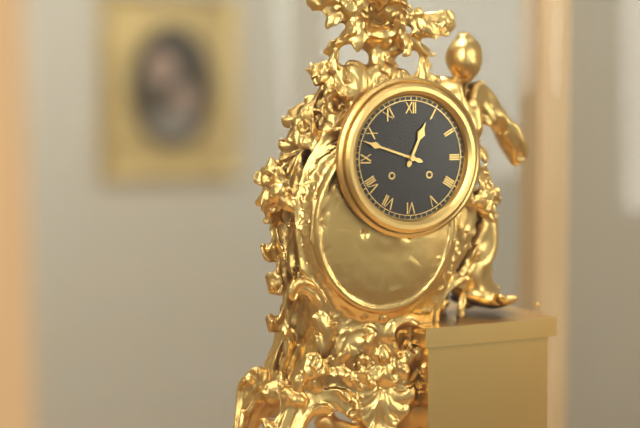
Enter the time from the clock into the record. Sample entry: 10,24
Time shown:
12,48
